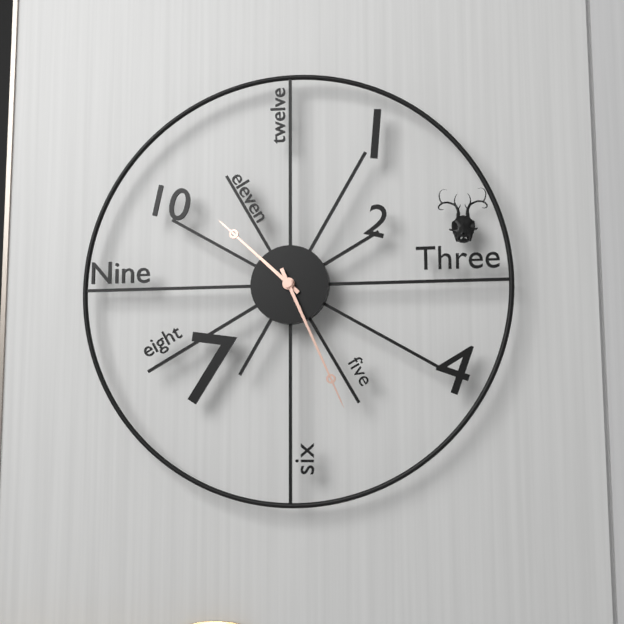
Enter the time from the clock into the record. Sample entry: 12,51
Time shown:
10,26
